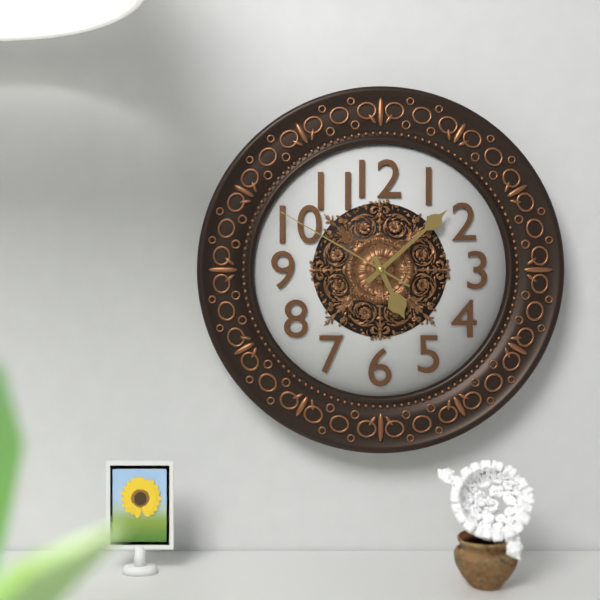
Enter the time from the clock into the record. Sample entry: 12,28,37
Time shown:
5,08,50
